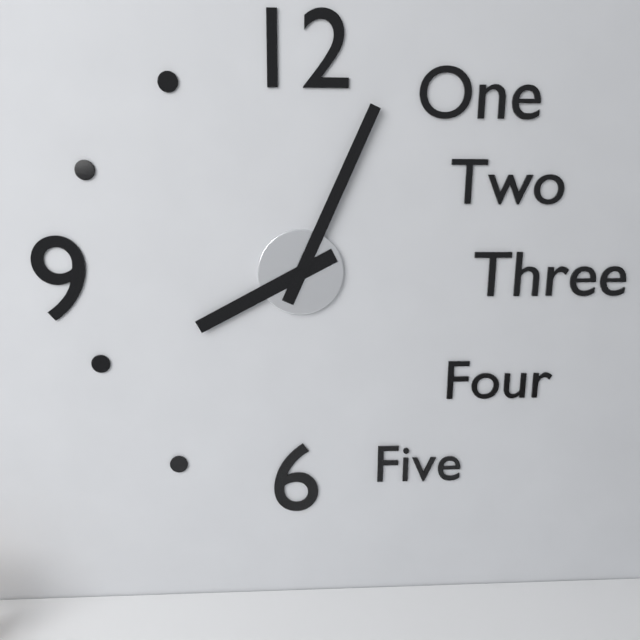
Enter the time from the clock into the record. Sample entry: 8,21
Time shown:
8,04
